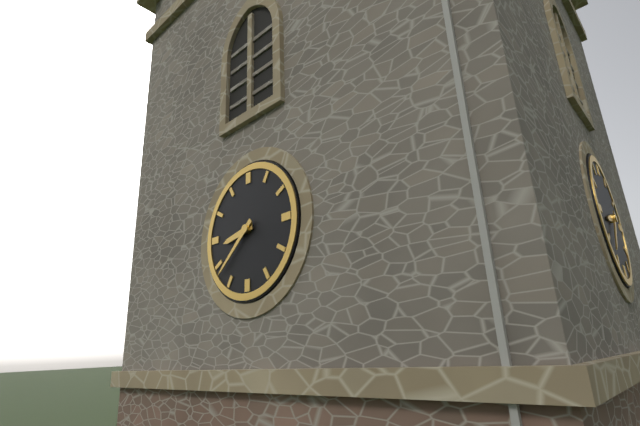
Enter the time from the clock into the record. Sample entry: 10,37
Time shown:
8,38
